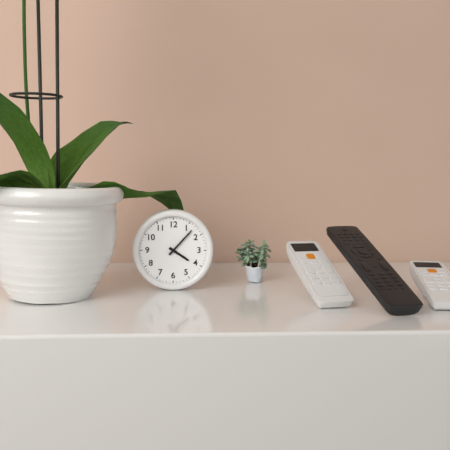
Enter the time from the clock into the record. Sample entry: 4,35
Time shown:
4,07
